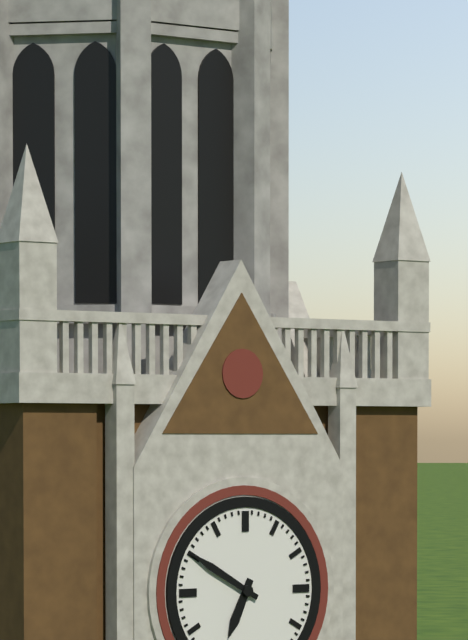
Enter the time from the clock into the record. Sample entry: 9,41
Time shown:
6,50
